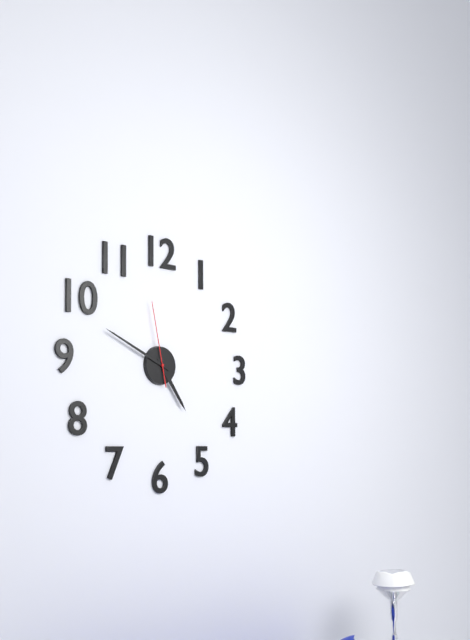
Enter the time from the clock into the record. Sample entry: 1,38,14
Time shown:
4,49,58
